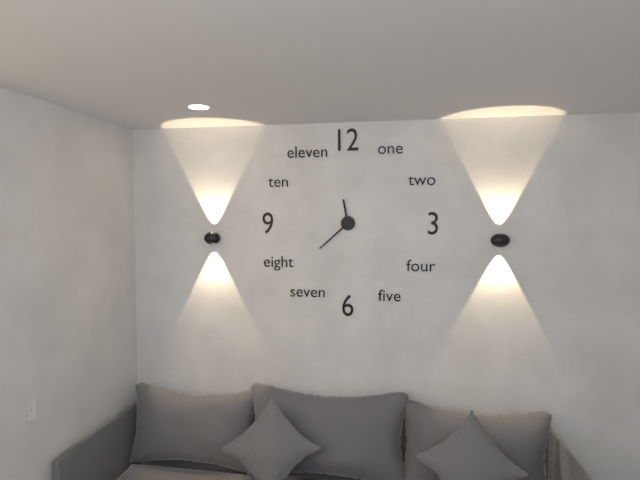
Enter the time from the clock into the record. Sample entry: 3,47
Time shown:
11,38
